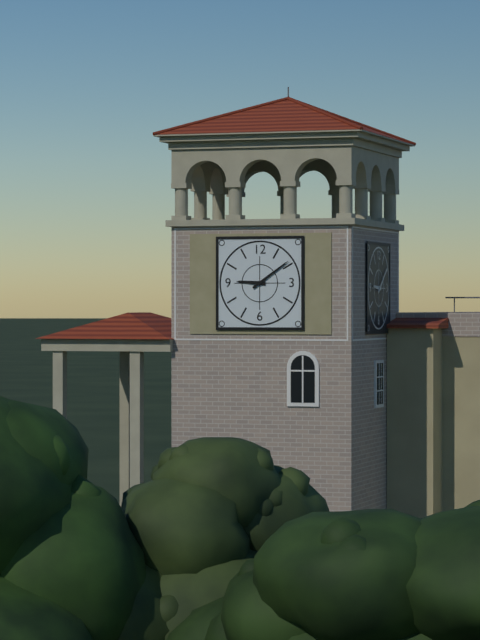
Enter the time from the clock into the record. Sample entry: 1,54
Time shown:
9,09
